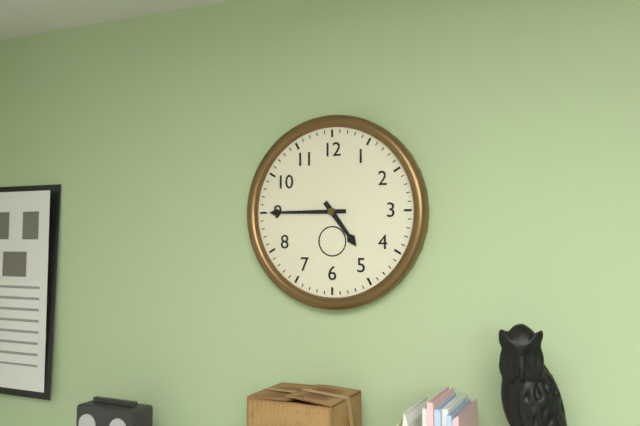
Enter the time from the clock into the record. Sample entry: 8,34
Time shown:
4,45
